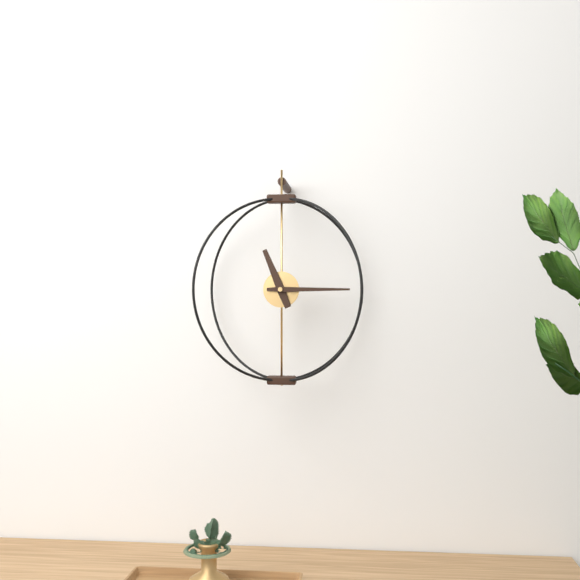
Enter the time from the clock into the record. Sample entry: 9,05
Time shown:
11,15
